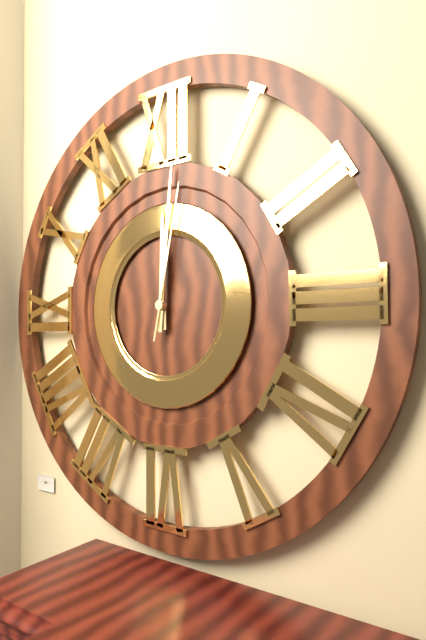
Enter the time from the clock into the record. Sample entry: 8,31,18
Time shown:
12,01,02
